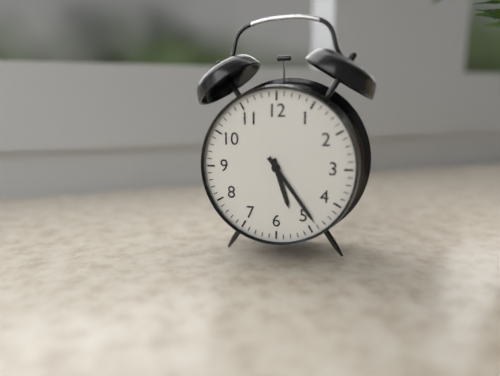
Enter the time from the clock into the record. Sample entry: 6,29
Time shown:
5,24
